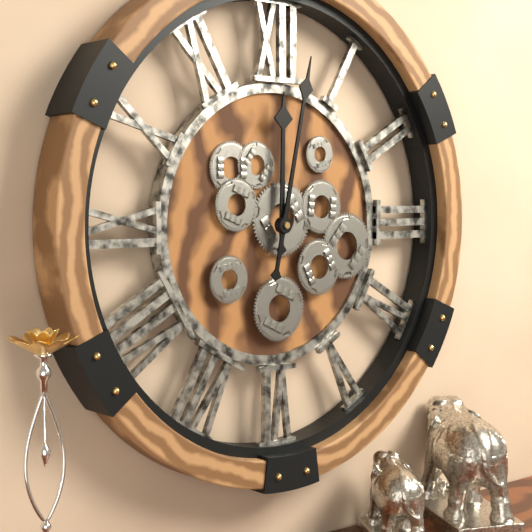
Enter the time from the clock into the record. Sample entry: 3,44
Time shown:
12,02
